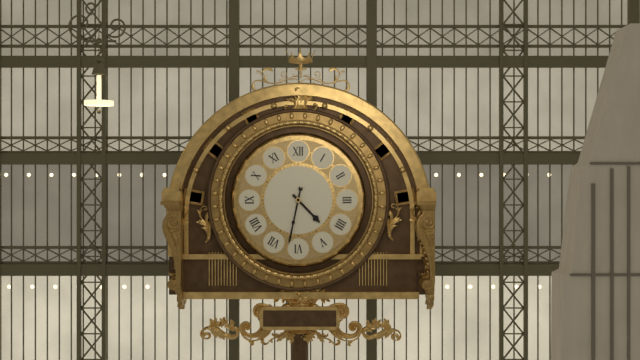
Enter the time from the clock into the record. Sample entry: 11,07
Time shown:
4,32
